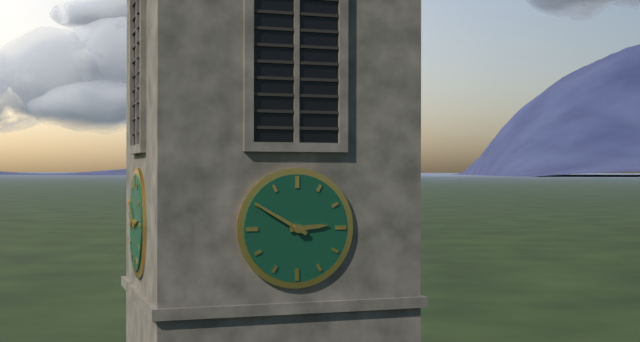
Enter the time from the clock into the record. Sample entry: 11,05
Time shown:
2,50
